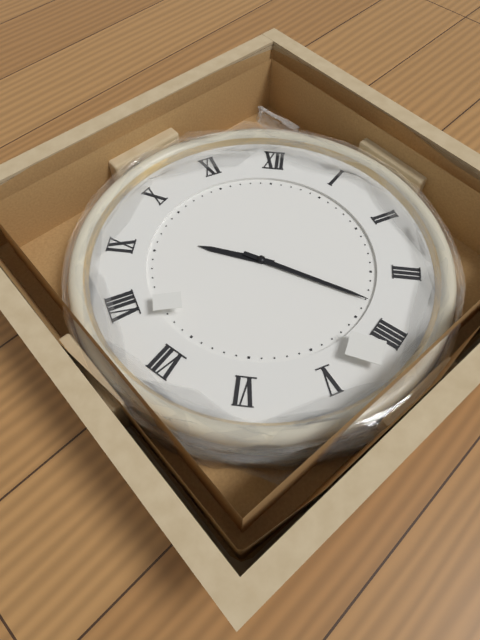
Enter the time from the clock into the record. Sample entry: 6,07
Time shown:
9,18
